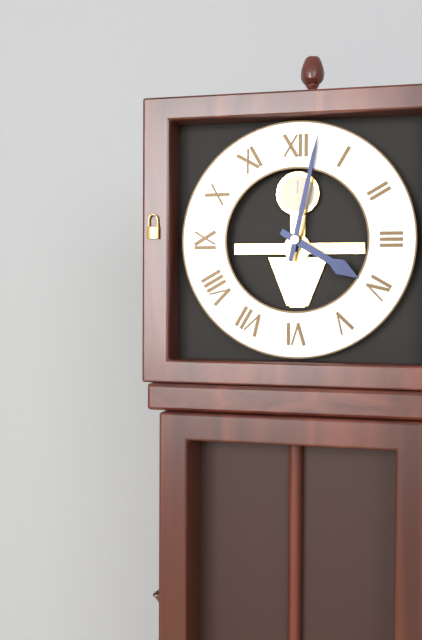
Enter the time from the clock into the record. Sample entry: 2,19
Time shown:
4,02
